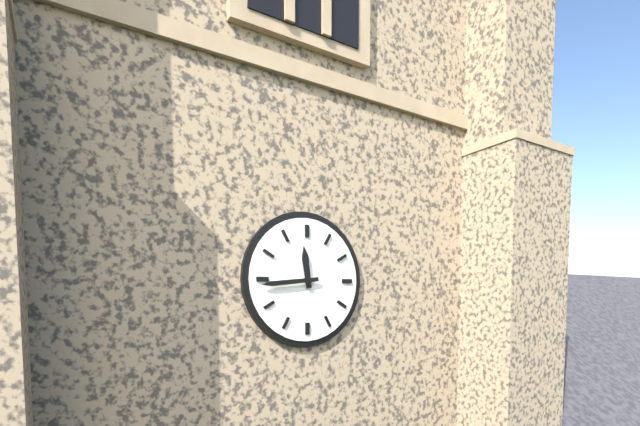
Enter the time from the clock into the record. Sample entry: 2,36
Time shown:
11,44
